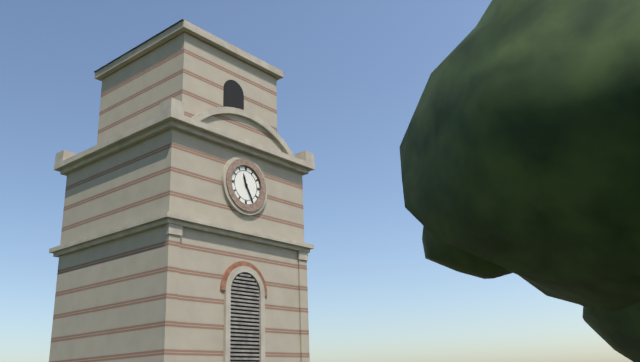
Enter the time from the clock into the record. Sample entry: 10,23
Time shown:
11,25
